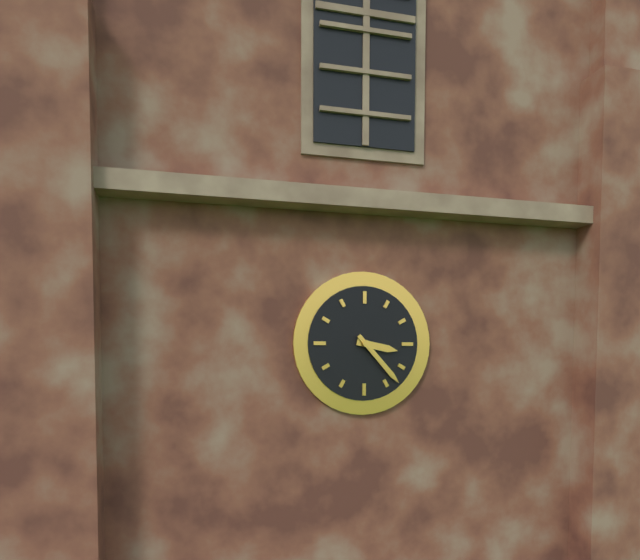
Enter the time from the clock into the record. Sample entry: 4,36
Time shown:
3,23
